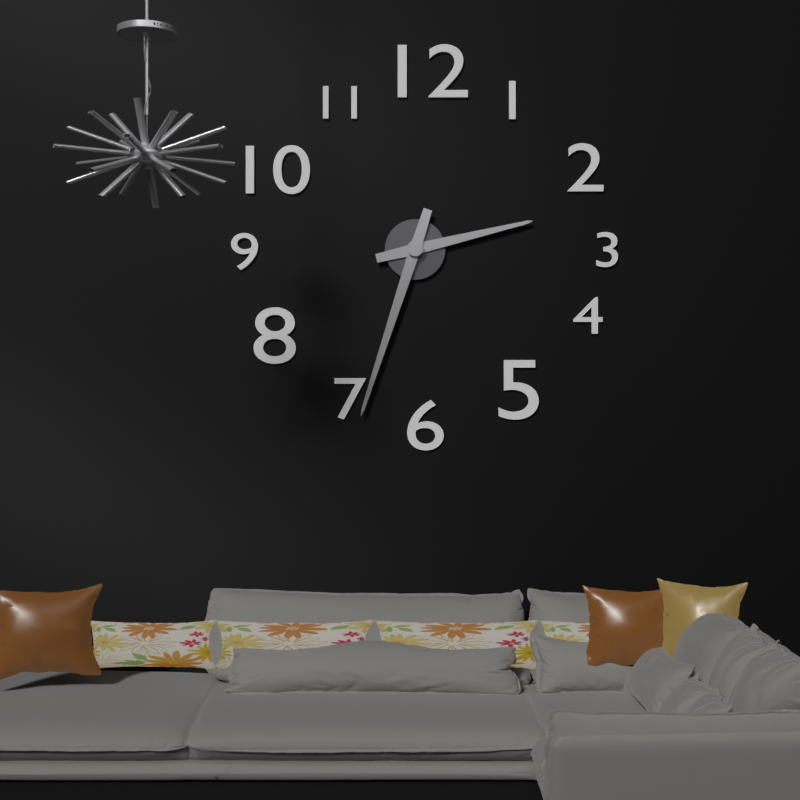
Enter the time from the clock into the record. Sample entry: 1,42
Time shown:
2,33
